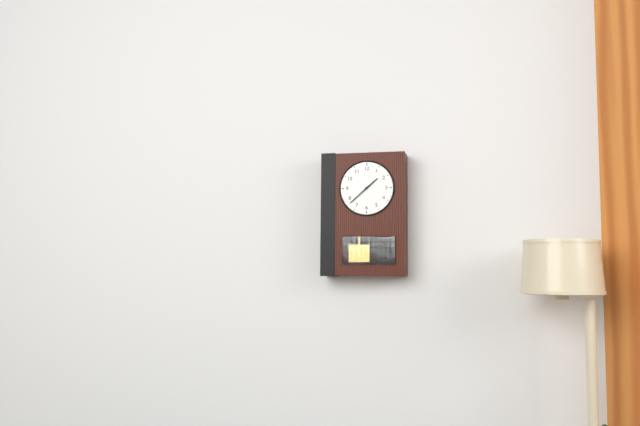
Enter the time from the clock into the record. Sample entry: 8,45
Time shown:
1,38
